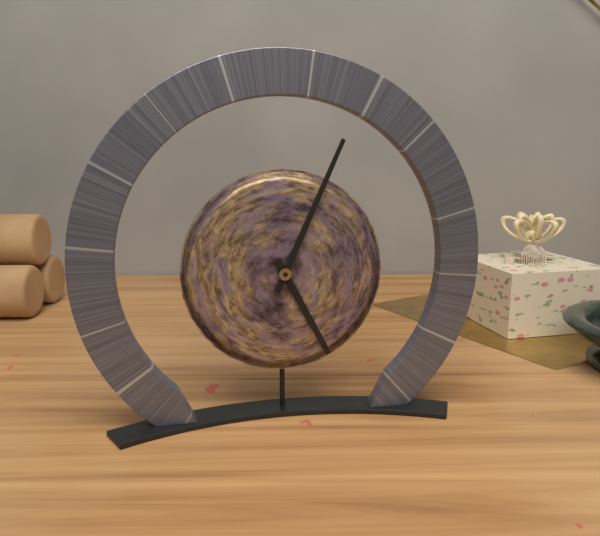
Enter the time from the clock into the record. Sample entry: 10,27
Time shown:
5,04
